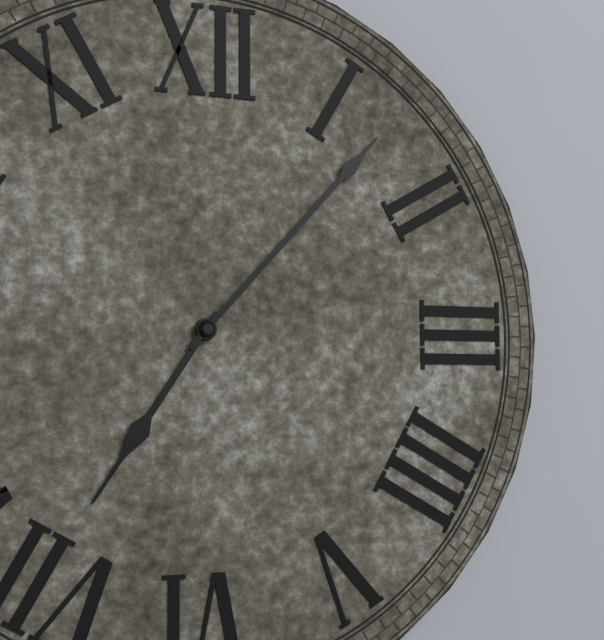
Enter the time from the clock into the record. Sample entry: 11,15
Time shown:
7,07
